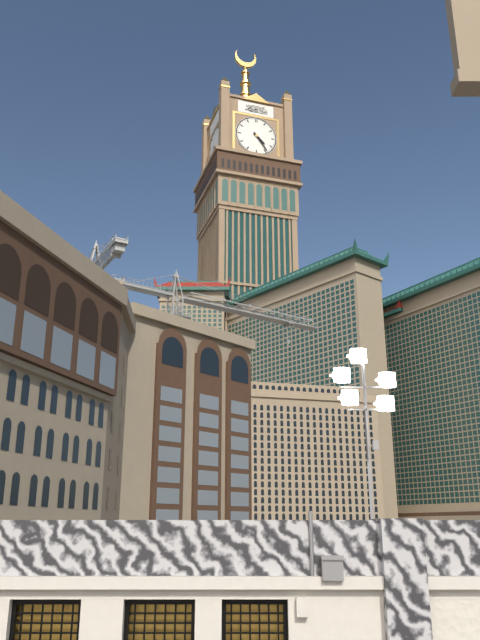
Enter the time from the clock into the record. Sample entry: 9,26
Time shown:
4,24
